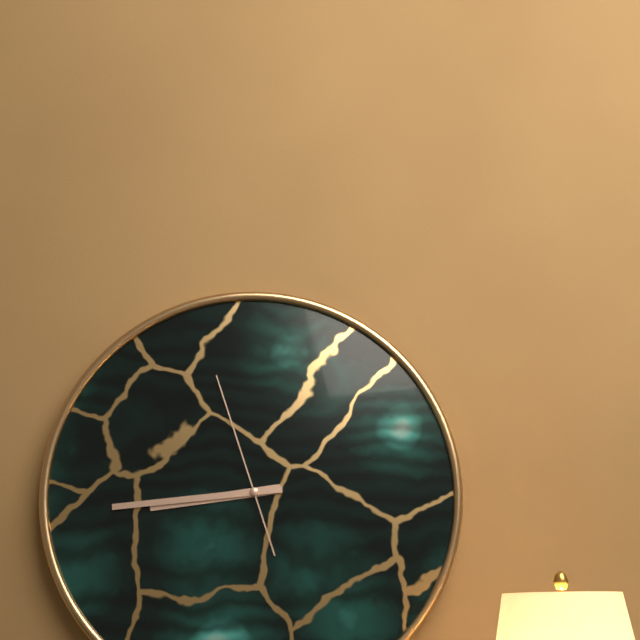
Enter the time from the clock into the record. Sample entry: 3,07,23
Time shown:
8,44,57
